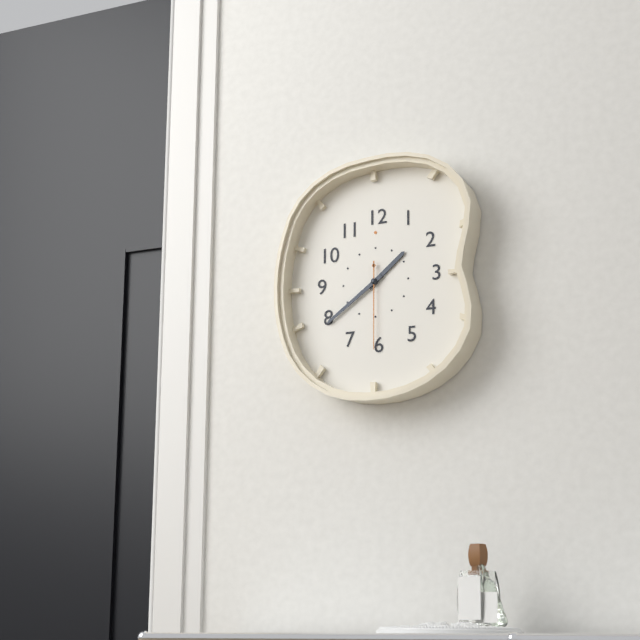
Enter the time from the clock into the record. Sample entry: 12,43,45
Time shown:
1,39,30
